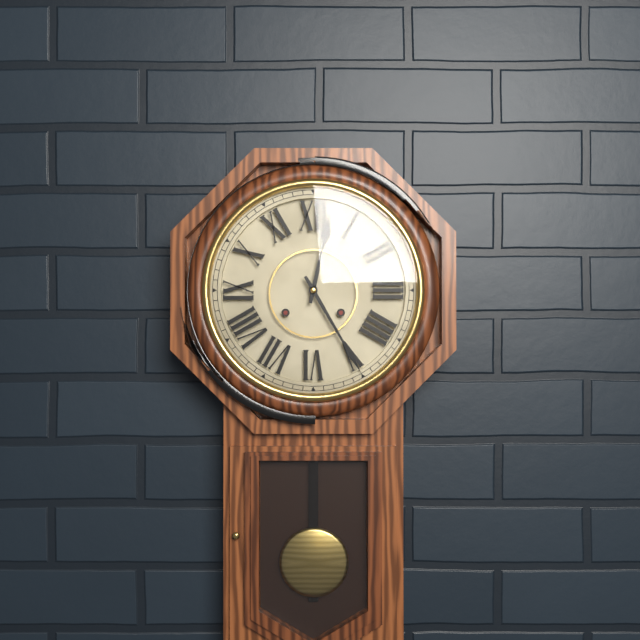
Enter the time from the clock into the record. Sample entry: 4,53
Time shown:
12,25
